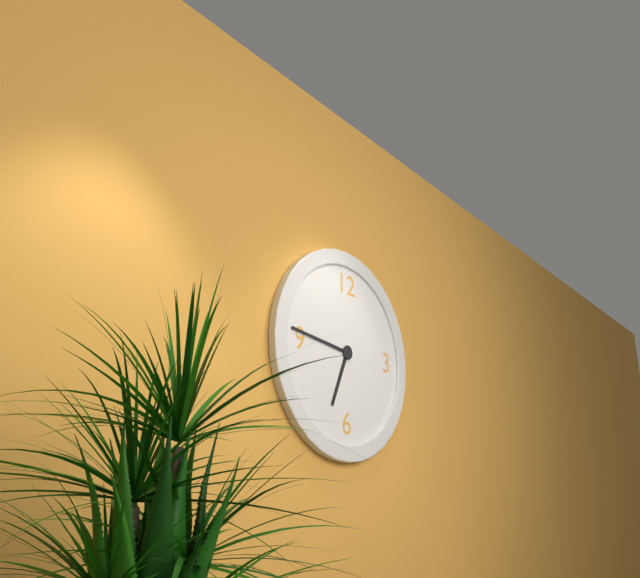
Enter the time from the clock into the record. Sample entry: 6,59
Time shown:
6,46
